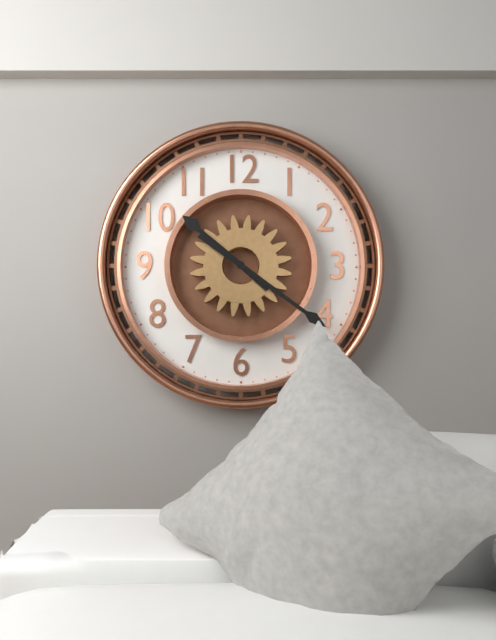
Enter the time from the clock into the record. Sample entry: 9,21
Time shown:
10,21
